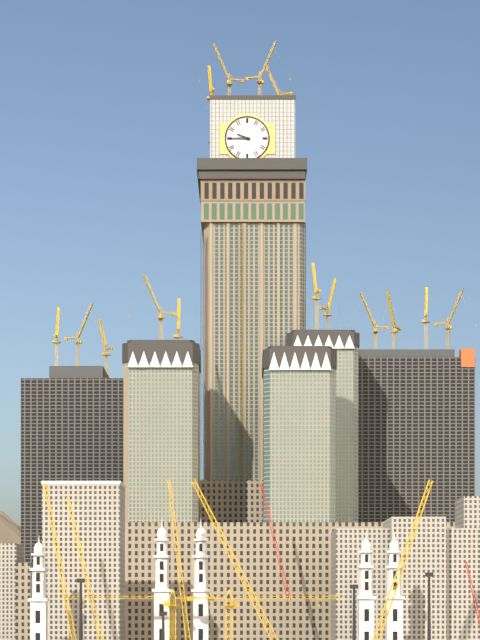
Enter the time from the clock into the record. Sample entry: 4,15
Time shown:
9,45
